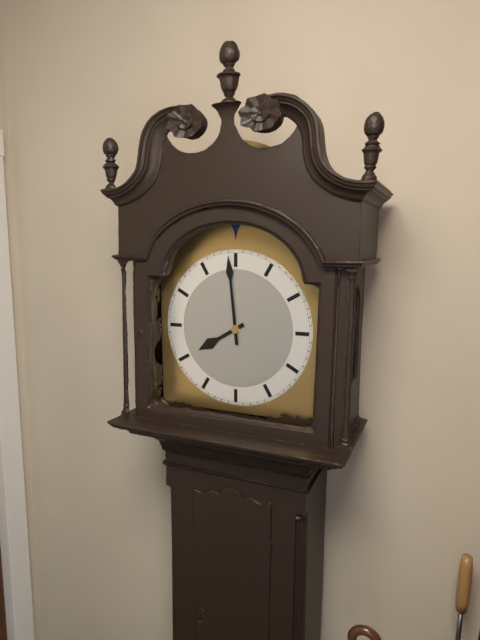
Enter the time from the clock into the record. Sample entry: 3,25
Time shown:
7,59
